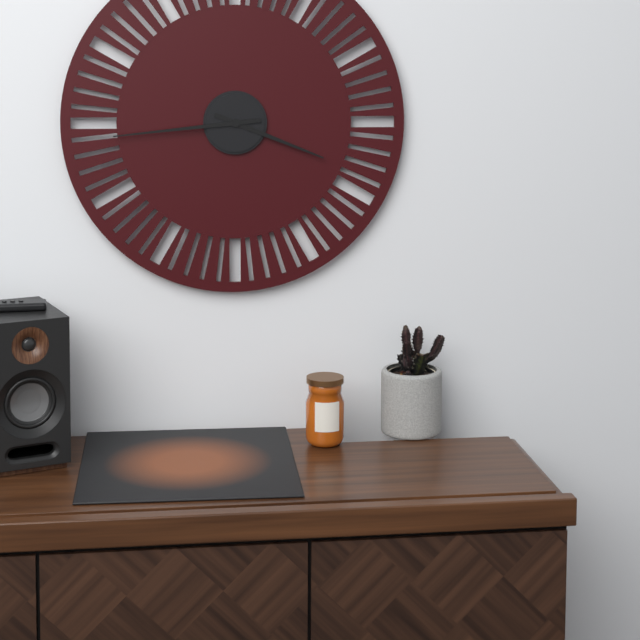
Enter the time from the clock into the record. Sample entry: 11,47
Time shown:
3,44
